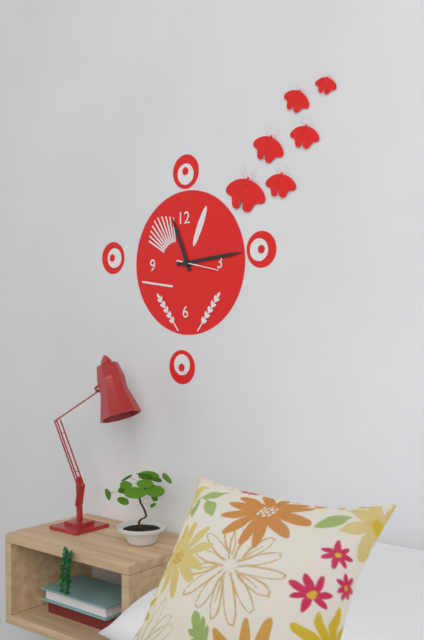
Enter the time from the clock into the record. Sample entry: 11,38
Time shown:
11,14
